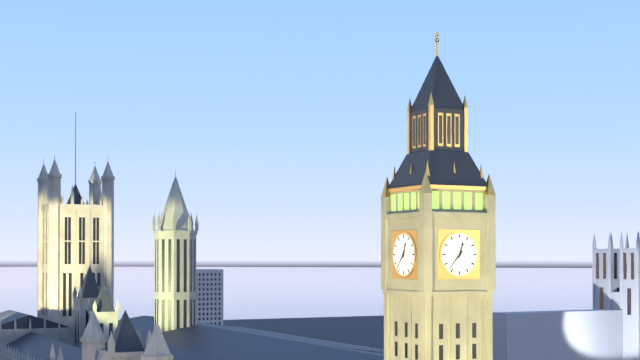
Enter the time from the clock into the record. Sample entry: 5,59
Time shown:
12,37
